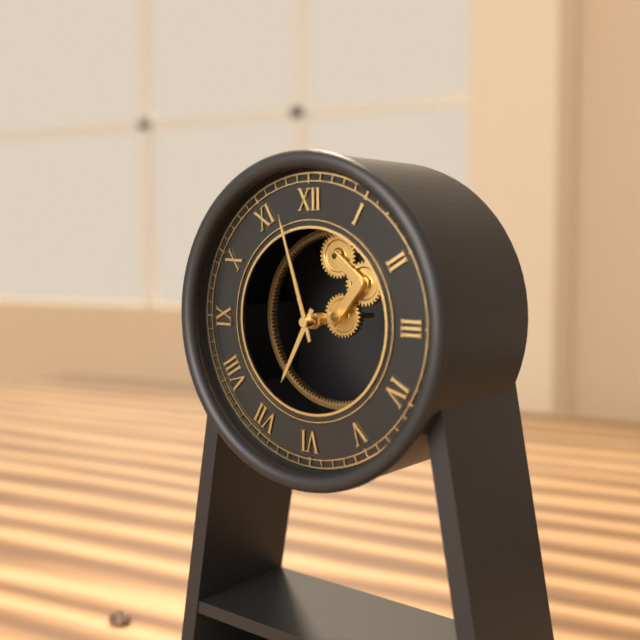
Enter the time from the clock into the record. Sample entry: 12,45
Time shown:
6,57
